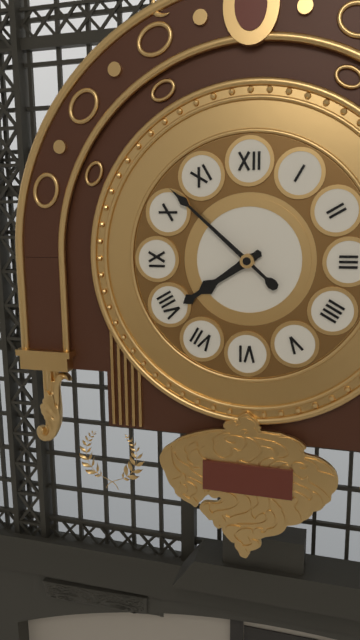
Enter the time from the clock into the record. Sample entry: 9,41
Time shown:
7,52
